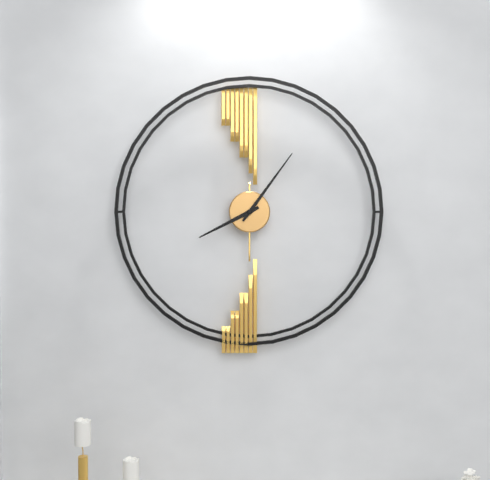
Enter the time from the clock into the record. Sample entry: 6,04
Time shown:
8,06
